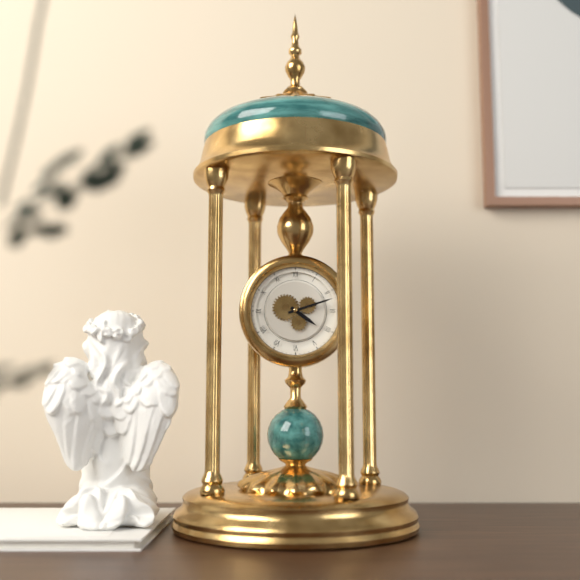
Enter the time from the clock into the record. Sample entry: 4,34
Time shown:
4,12
